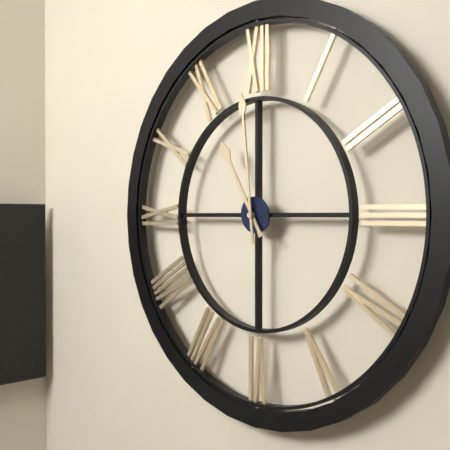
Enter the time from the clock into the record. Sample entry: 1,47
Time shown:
10,59
